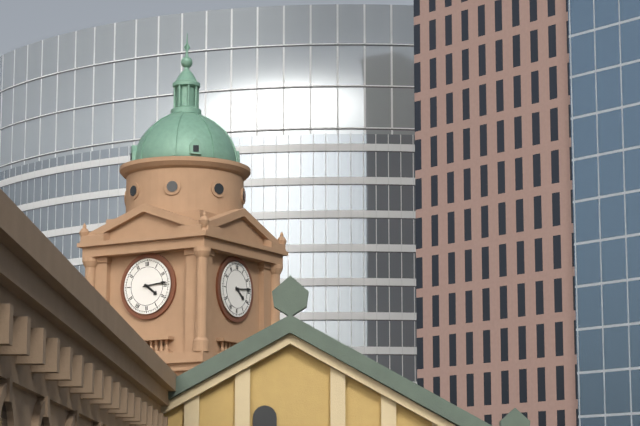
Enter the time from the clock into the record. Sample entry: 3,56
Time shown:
4,14
